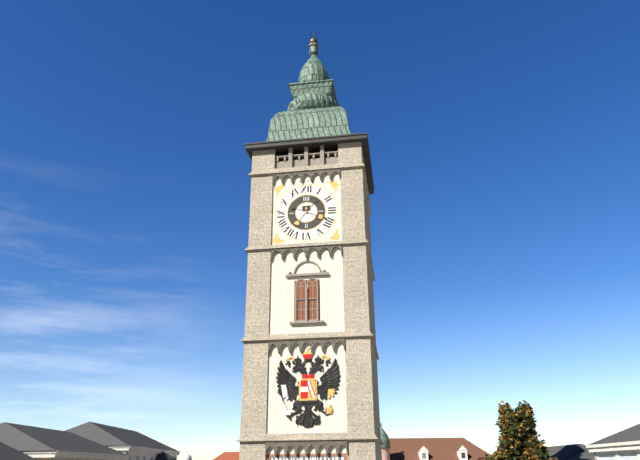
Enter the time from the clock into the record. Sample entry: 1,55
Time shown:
7,19
